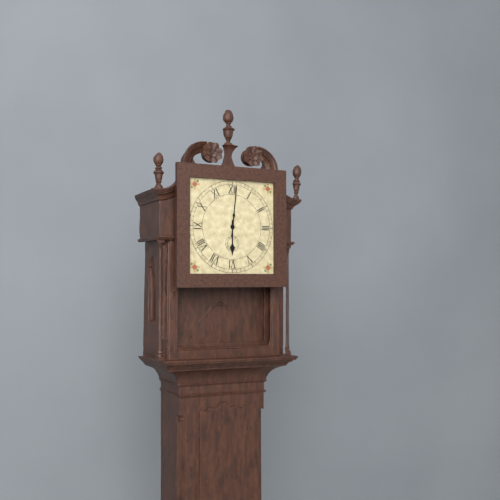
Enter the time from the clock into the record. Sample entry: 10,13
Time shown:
6,01
